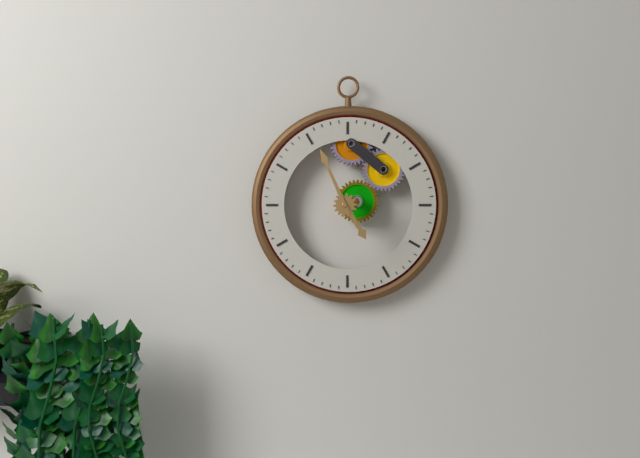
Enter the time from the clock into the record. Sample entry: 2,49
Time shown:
4,56
